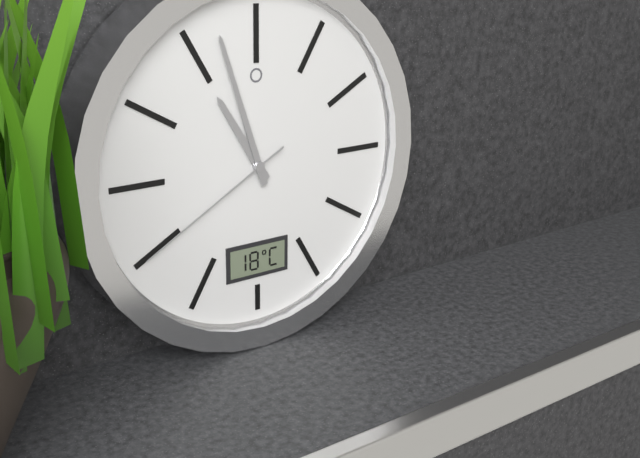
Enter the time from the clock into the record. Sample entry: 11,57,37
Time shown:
10,57,40
